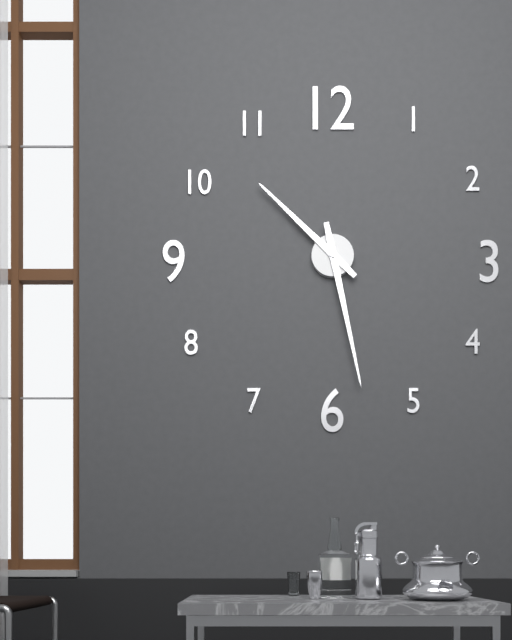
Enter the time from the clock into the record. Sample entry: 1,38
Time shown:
10,28
